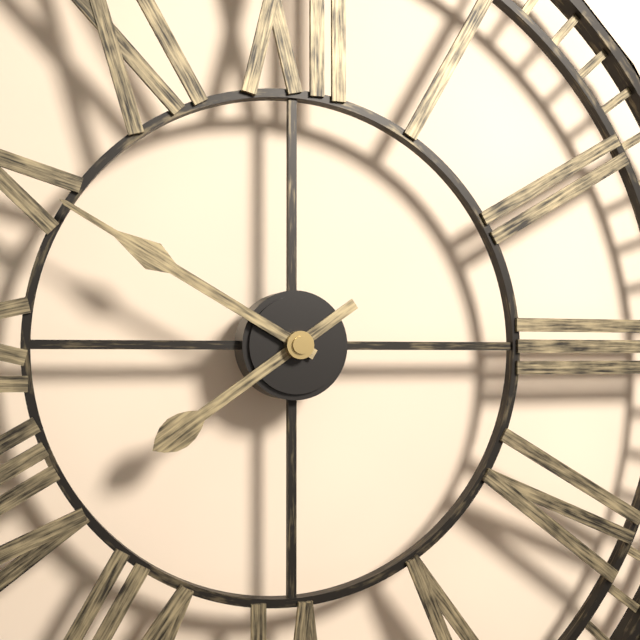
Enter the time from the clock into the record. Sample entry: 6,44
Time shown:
7,50
